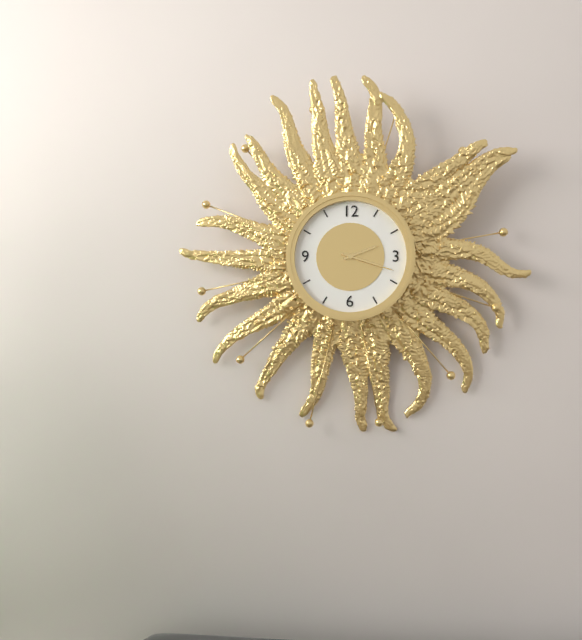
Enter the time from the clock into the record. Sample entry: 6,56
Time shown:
2,18
